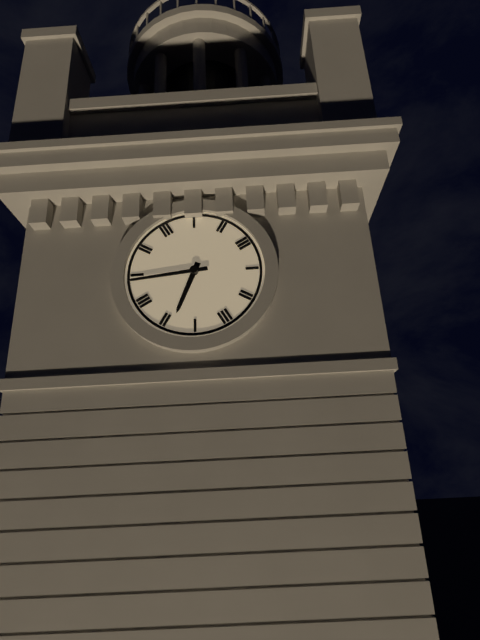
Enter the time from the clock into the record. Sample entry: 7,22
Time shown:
6,44
